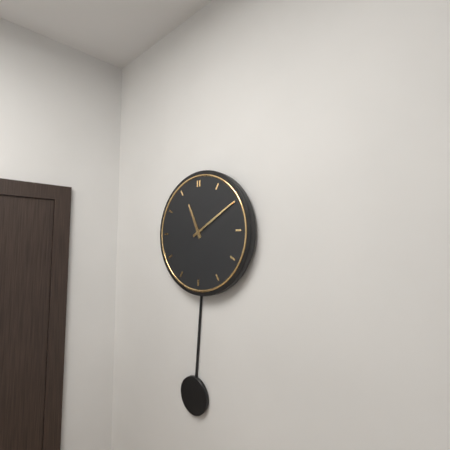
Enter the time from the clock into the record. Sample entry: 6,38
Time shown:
11,10
